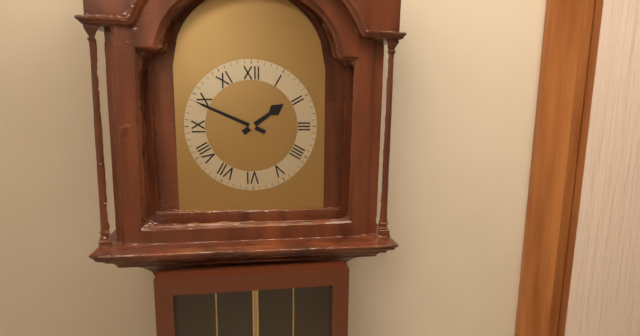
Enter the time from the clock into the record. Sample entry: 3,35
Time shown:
1,49
